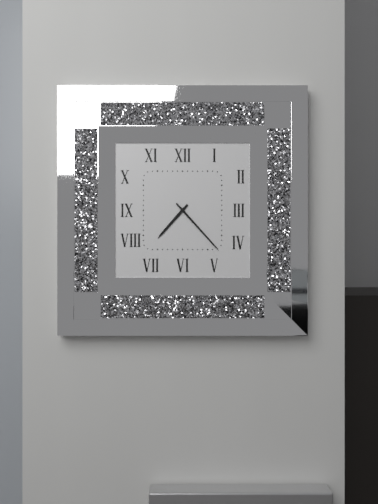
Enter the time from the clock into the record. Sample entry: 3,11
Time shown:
7,23
